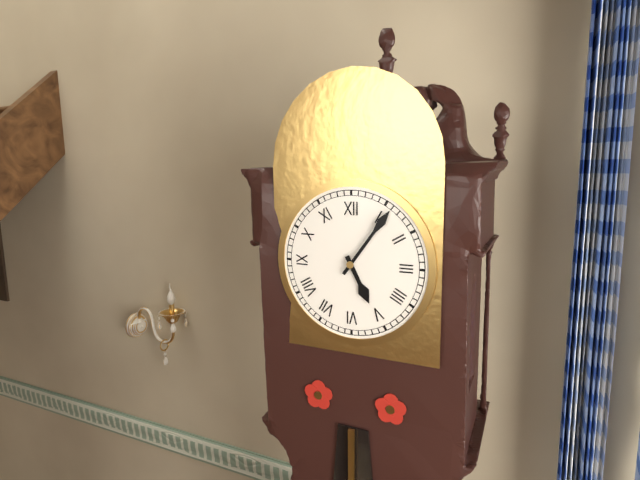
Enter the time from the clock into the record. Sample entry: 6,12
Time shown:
5,06
